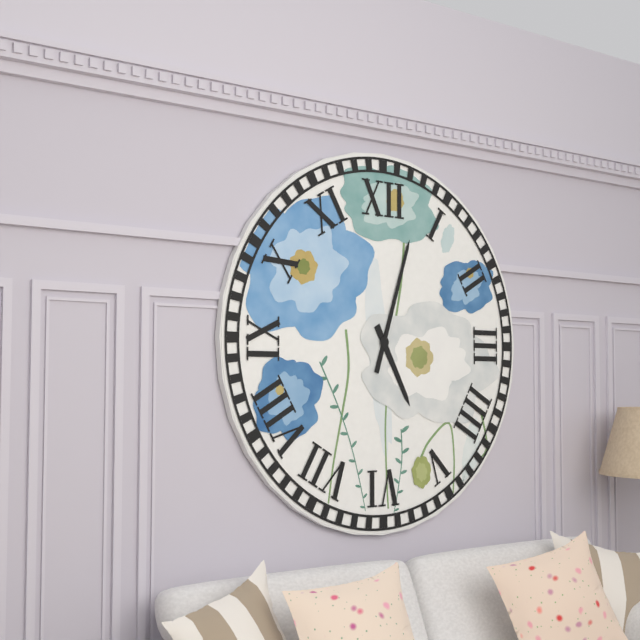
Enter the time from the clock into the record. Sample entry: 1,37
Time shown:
5,03
